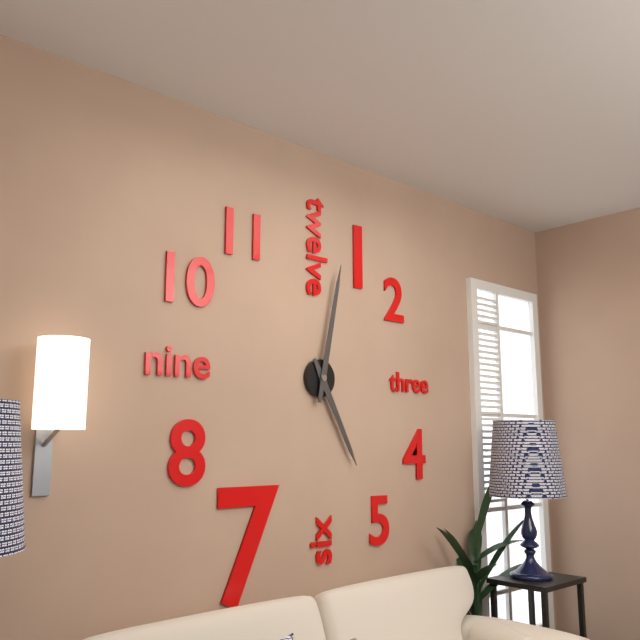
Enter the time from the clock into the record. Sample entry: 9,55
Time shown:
5,02
